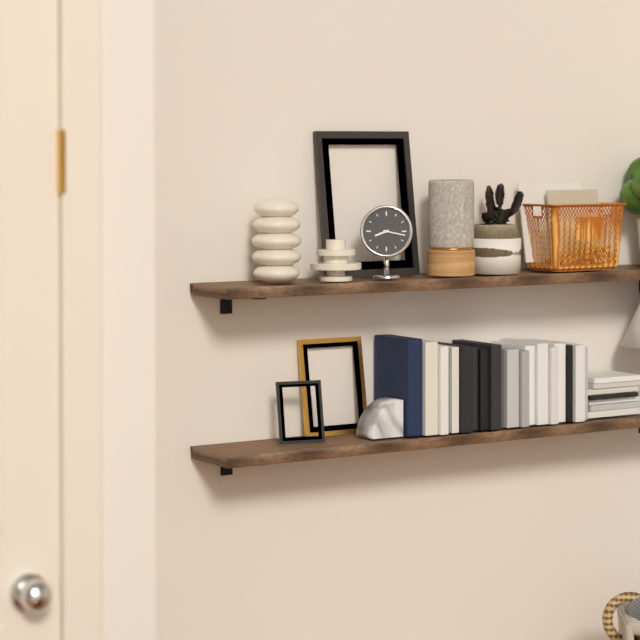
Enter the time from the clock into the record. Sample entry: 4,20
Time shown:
8,17
